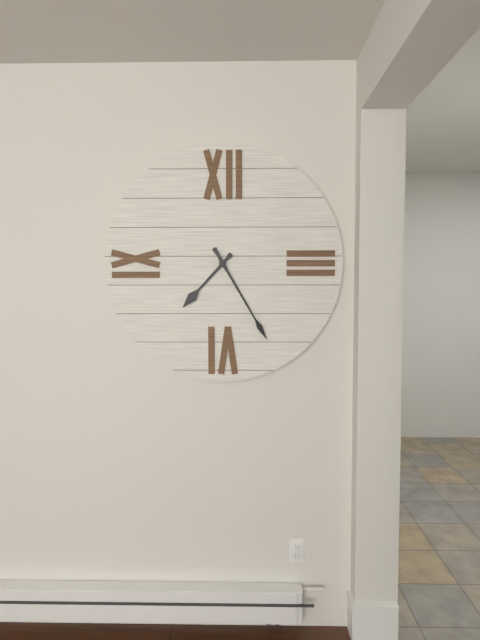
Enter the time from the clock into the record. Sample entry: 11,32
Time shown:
7,25
